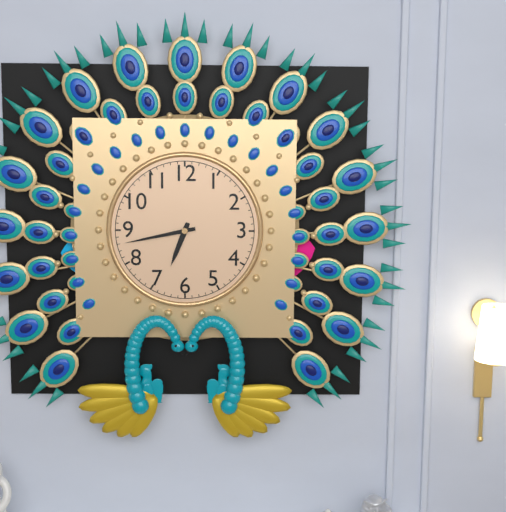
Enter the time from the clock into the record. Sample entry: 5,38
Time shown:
6,43
